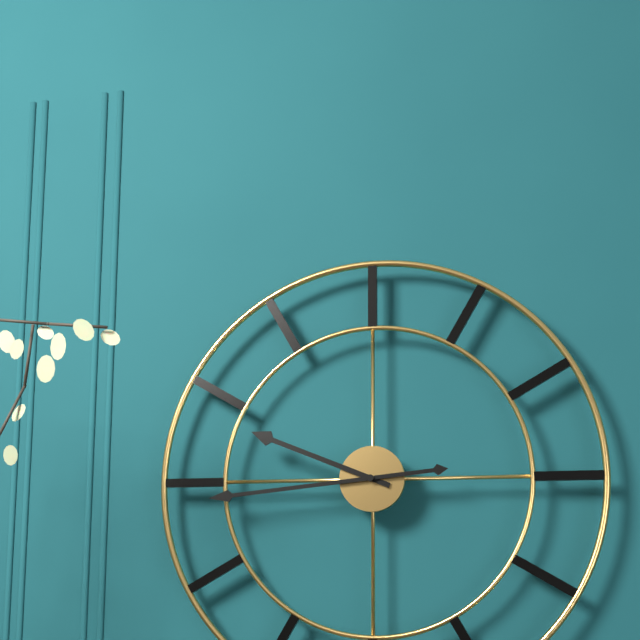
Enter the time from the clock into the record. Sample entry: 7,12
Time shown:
9,44
